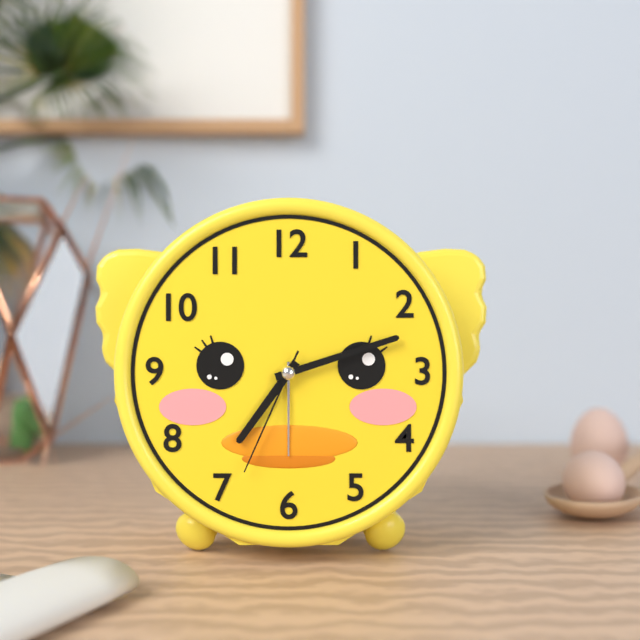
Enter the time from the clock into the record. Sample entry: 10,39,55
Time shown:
7,12,34
